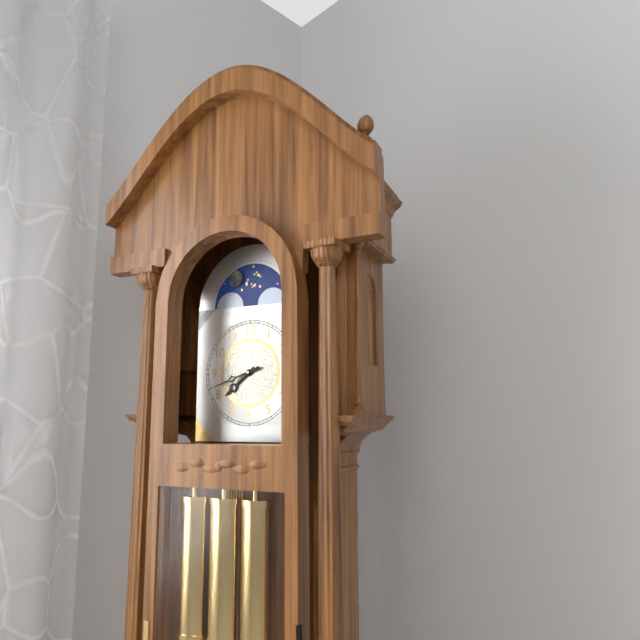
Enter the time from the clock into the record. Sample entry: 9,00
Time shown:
7,42
